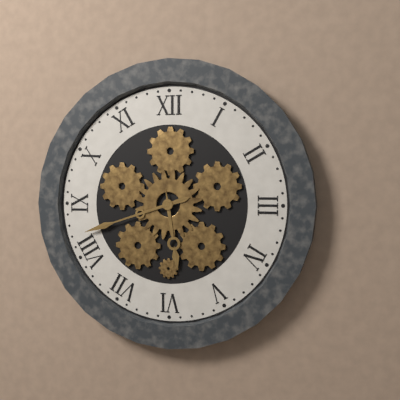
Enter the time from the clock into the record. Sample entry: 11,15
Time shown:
5,42
